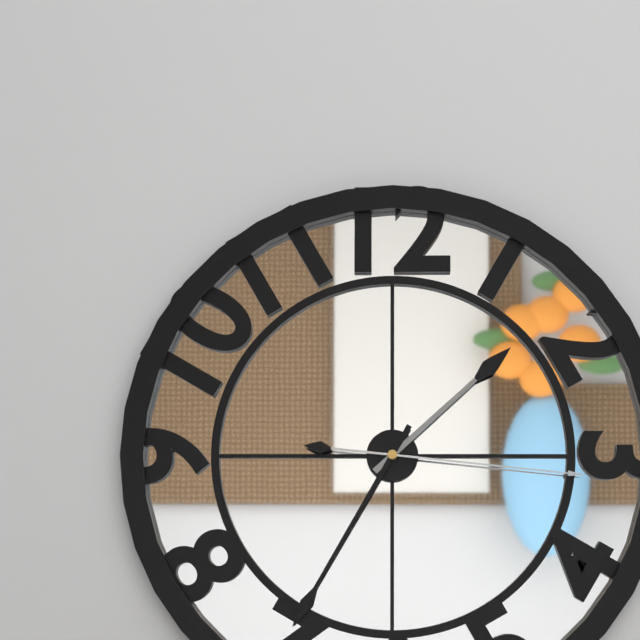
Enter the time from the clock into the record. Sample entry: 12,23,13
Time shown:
1,35,16
